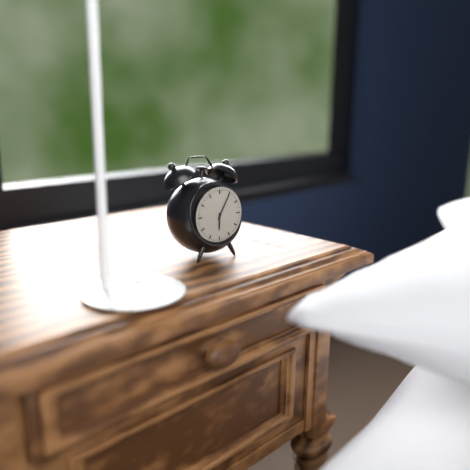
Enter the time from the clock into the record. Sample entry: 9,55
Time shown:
6,05
